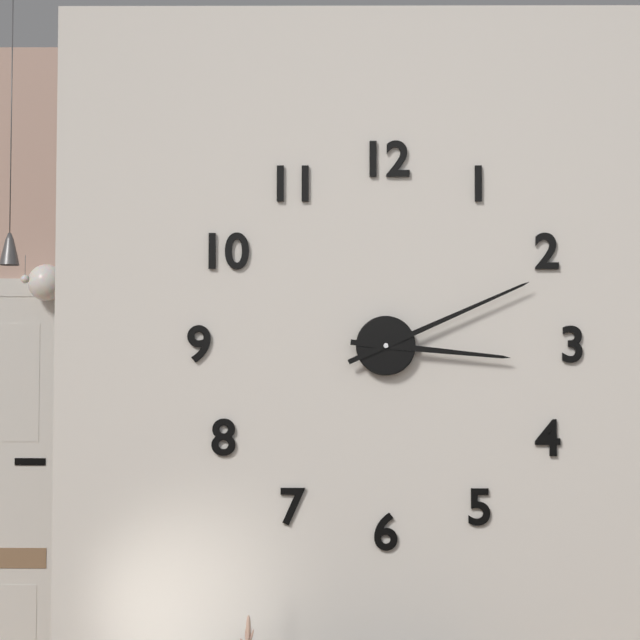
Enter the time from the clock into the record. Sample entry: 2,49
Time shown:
3,11
